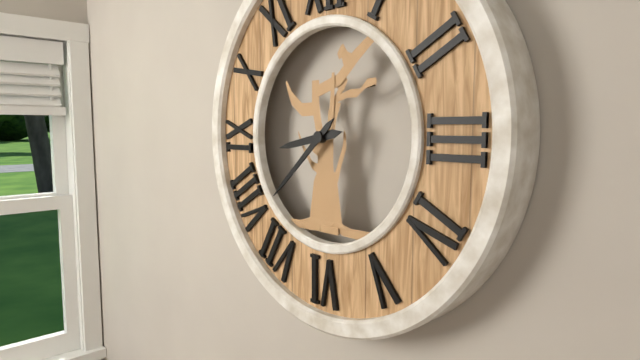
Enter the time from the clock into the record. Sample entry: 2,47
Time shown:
8,38
